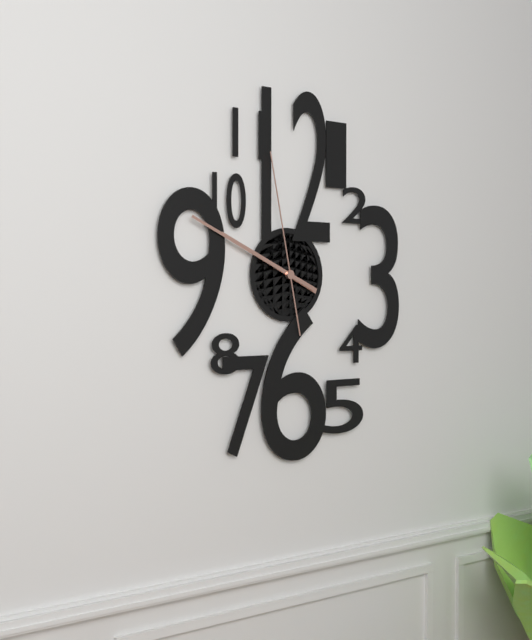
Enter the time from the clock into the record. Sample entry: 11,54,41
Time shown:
9,49,58
